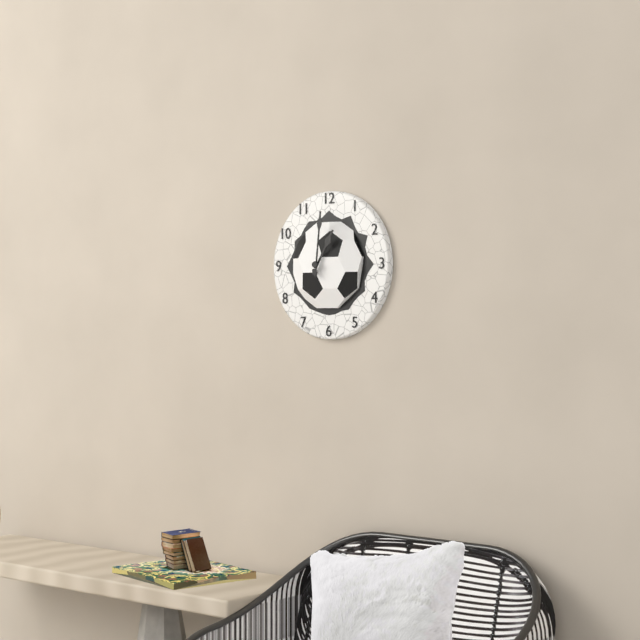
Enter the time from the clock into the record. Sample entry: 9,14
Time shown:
1,01
